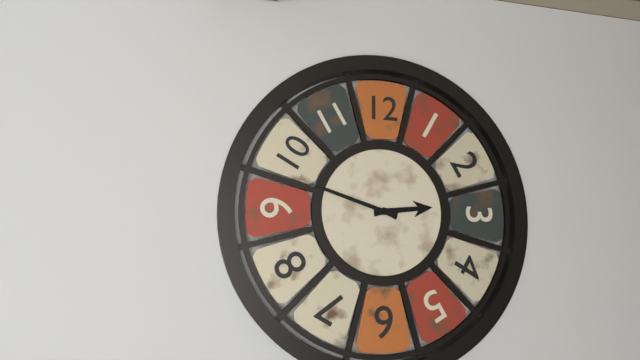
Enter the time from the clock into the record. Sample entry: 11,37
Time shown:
2,48
